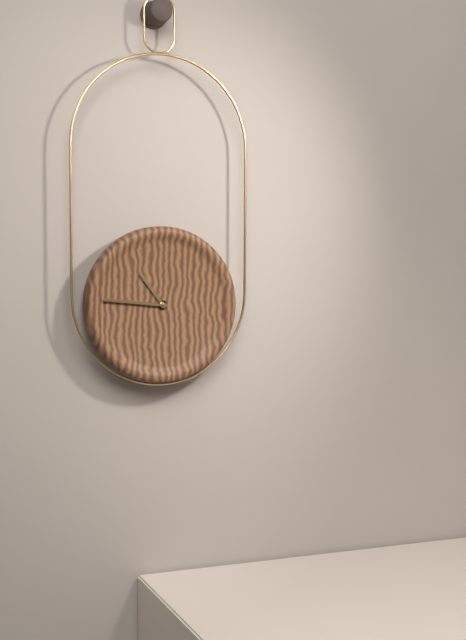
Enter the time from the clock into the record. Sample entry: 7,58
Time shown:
10,46
